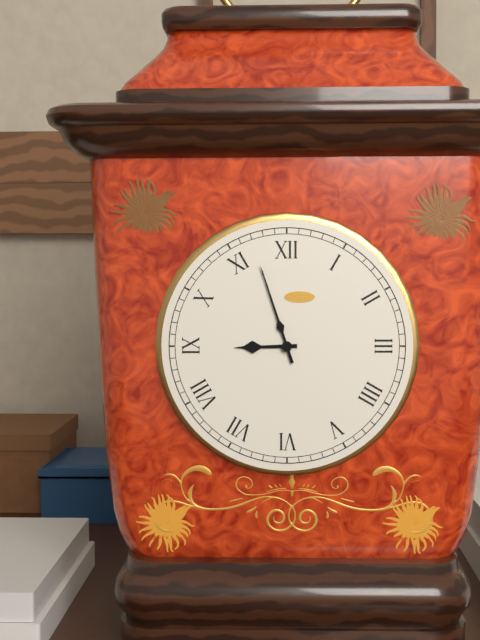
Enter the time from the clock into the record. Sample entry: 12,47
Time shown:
8,57
